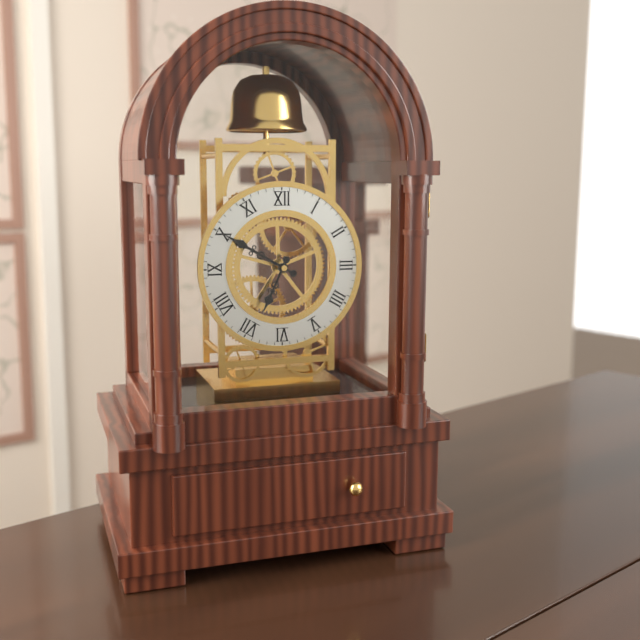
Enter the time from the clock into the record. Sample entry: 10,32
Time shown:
6,50
